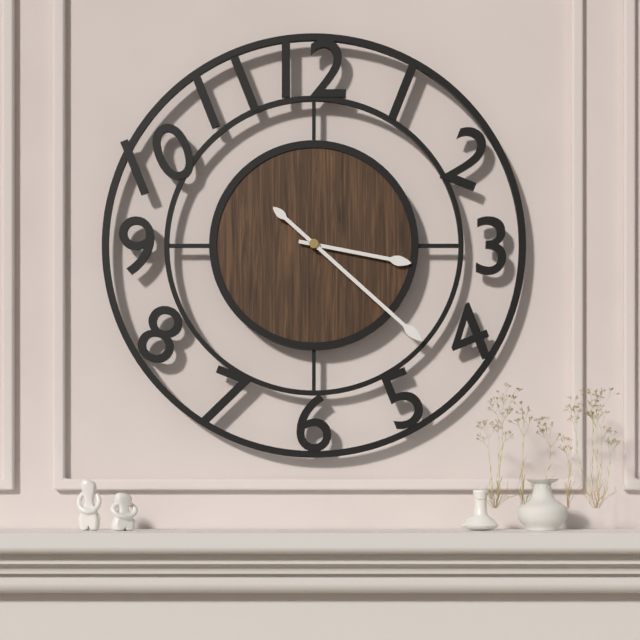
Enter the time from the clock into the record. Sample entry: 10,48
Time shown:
3,22
